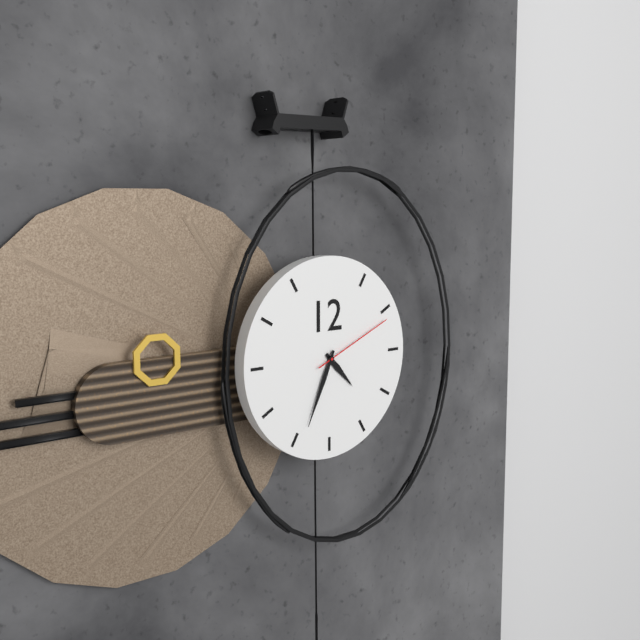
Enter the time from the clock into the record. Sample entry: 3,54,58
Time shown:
4,34,11
